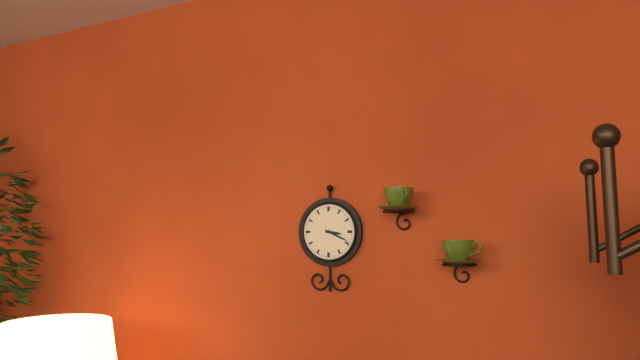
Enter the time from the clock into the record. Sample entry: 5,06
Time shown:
3,19
